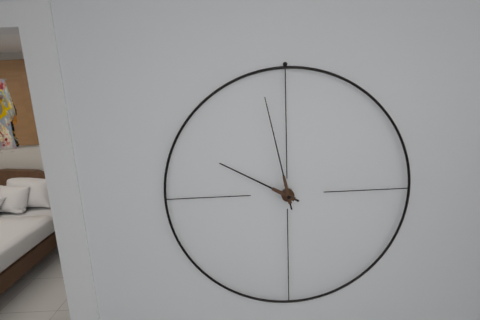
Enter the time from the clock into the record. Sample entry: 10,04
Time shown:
9,58
